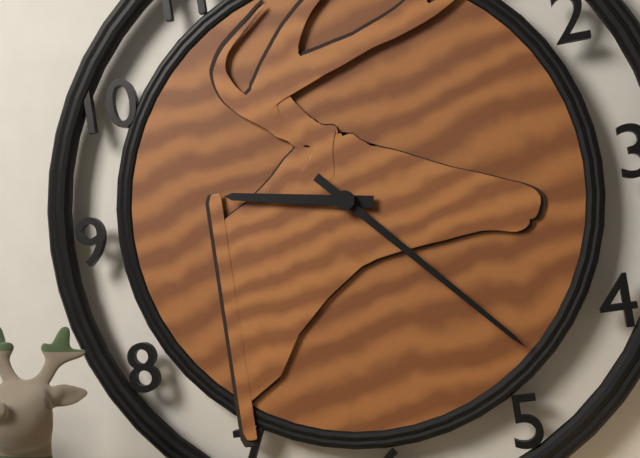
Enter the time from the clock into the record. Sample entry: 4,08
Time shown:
9,23
